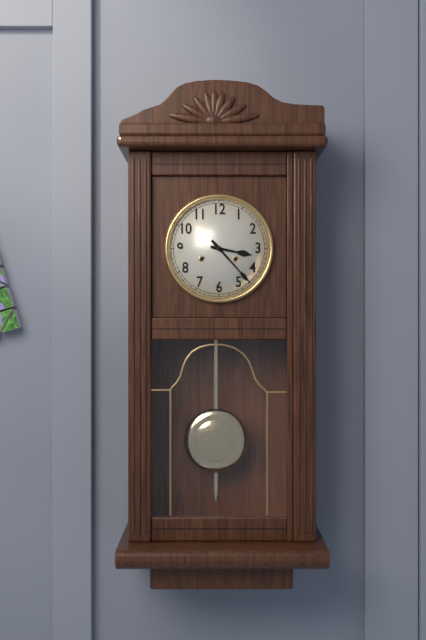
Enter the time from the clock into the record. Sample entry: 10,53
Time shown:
3,23
